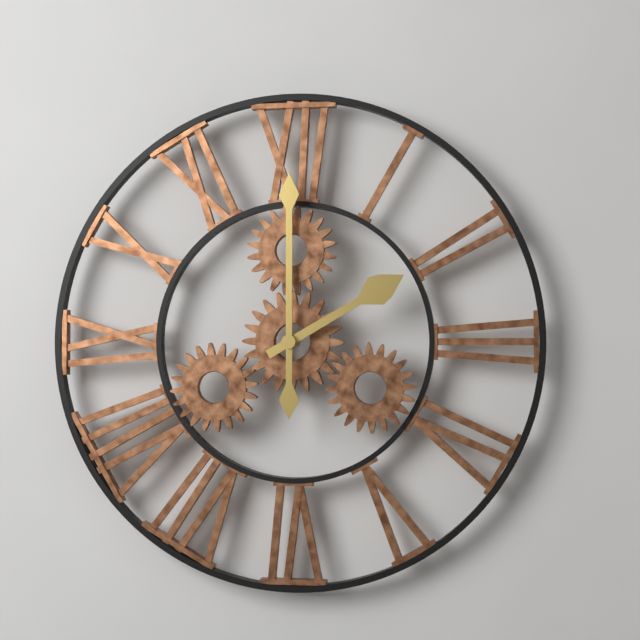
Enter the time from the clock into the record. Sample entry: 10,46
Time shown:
2,00
